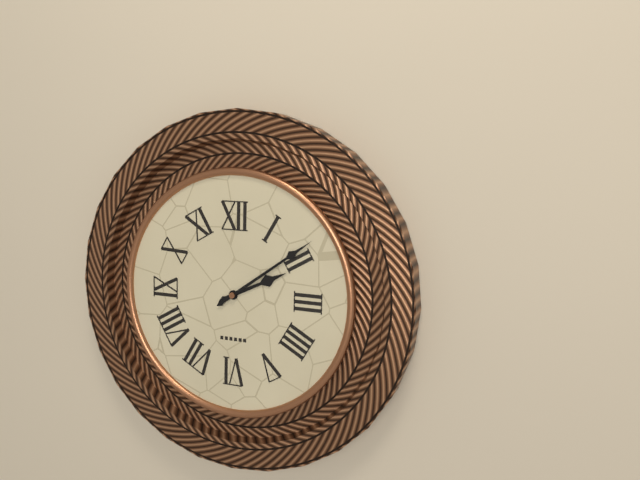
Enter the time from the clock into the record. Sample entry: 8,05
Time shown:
2,09
